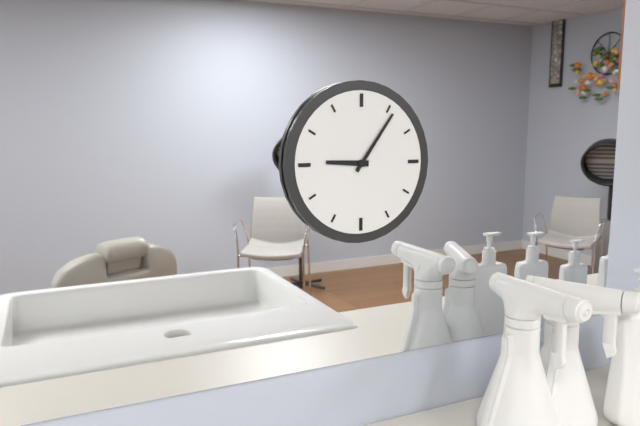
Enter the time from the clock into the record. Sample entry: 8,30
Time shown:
9,06
